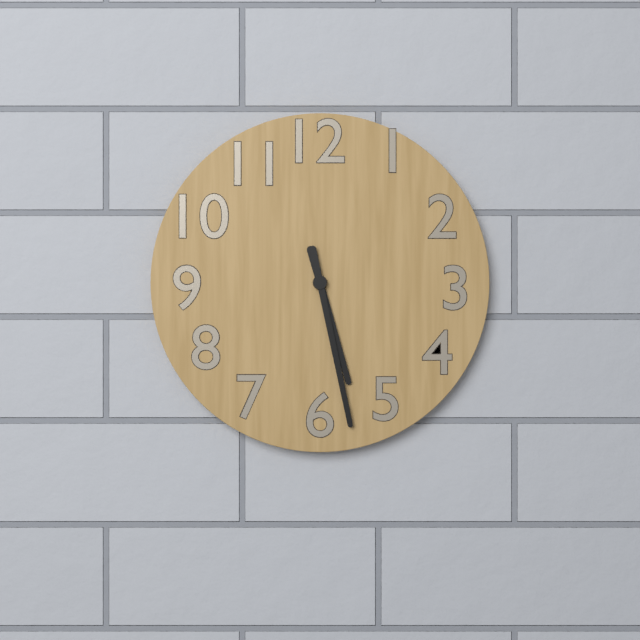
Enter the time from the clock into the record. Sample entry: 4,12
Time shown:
5,28
